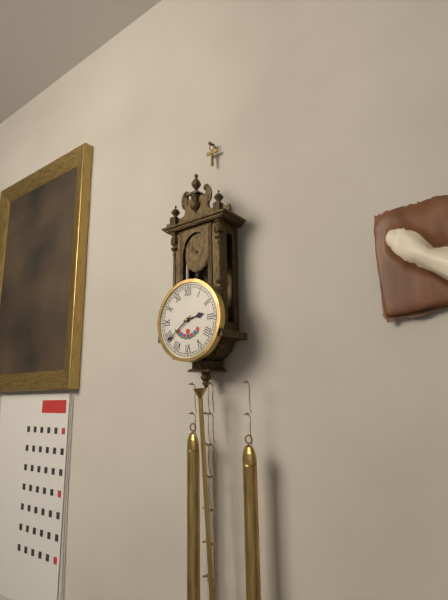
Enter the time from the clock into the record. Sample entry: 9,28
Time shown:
2,39
